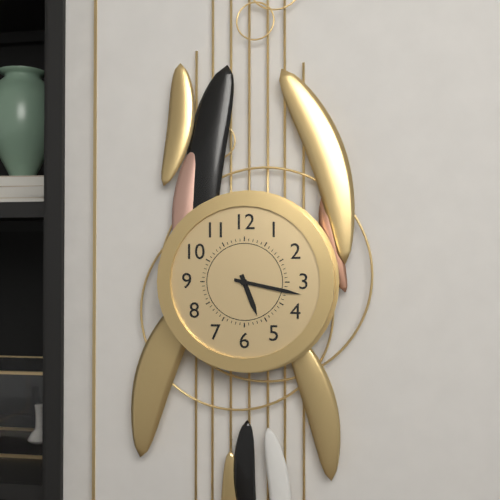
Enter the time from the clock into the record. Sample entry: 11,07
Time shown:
5,17
